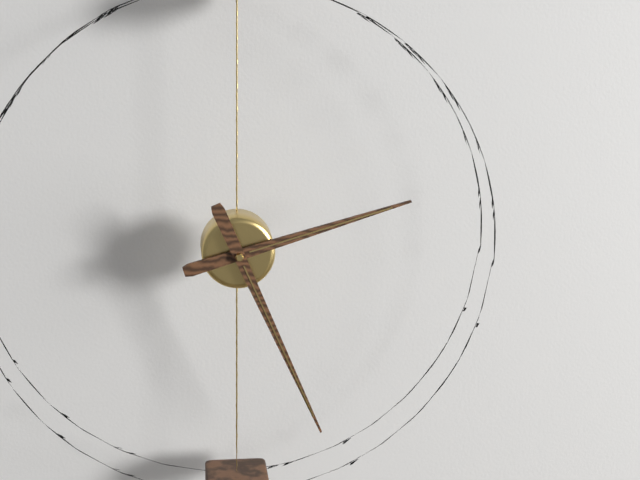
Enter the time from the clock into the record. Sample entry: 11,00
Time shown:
2,26
